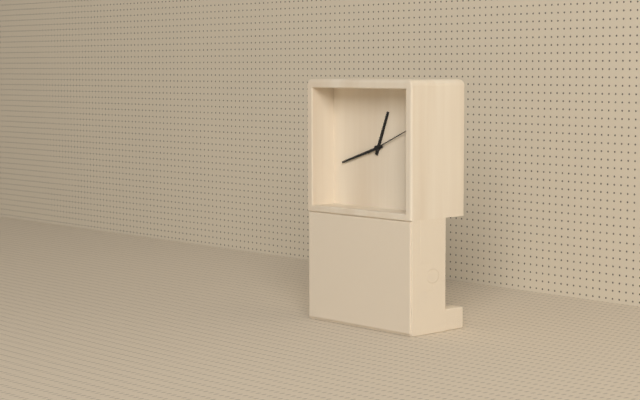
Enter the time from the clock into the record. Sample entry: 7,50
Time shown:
12,42
